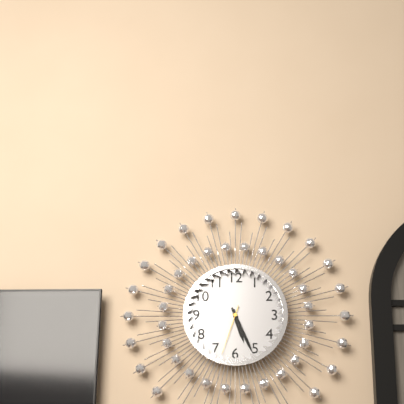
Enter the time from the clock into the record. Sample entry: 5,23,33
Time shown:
5,26,33
